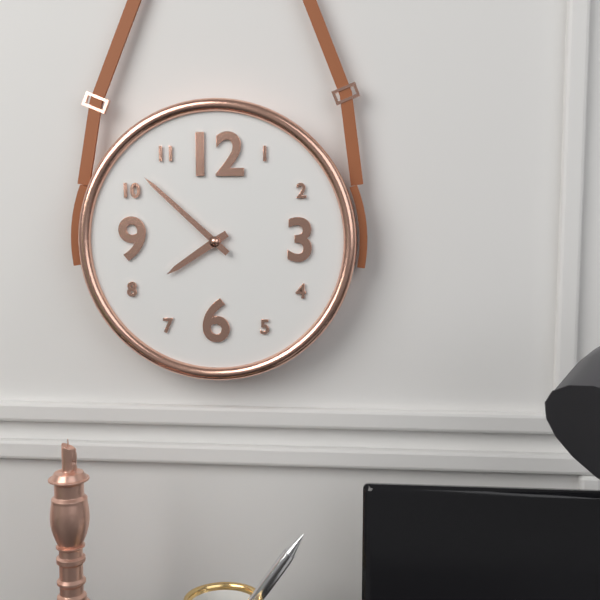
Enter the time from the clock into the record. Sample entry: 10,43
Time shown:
7,52
